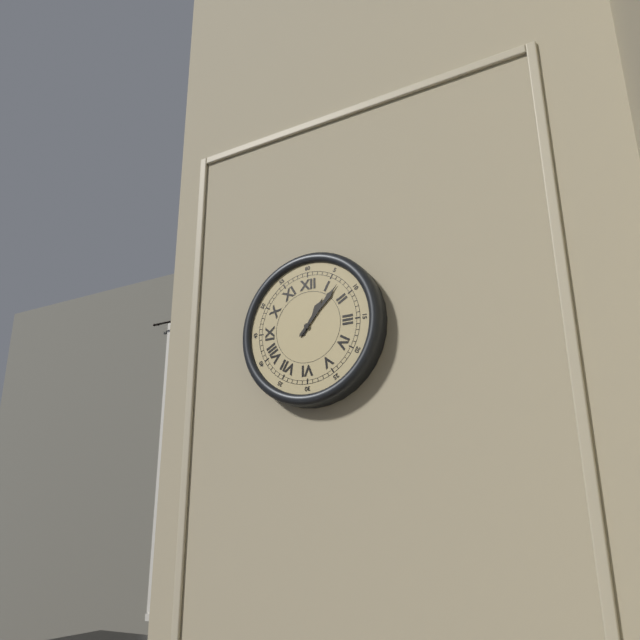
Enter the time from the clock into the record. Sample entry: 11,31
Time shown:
1,07
